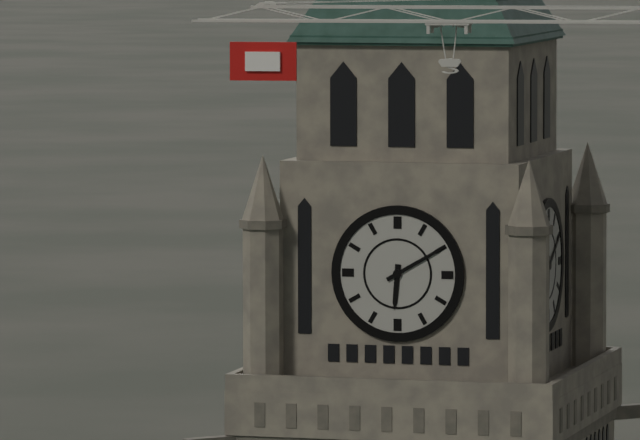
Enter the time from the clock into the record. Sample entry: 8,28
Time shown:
6,10
